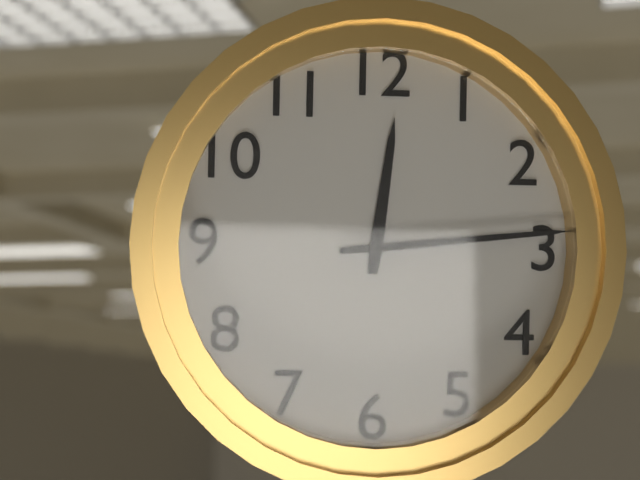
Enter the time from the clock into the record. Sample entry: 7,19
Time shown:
12,14
